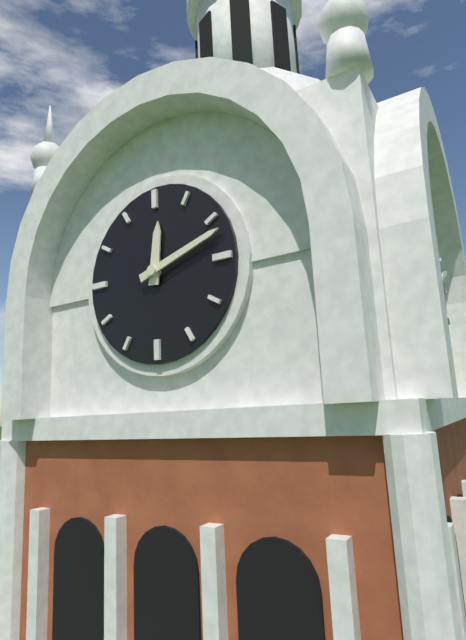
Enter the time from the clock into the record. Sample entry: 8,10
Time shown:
12,12
